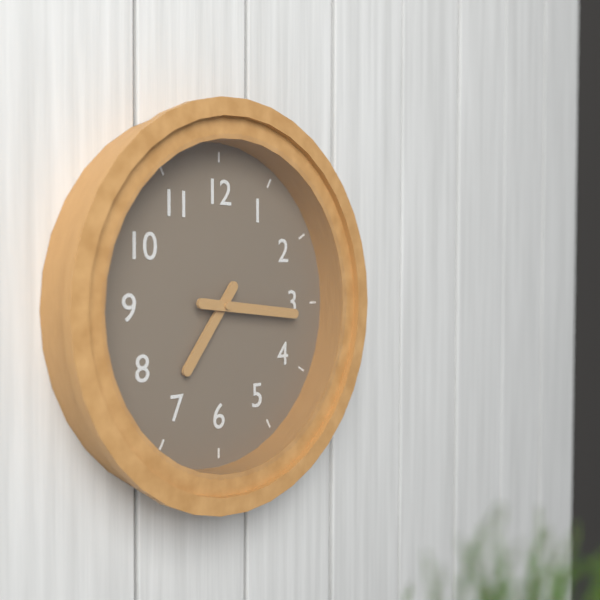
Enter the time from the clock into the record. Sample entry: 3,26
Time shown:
7,16
